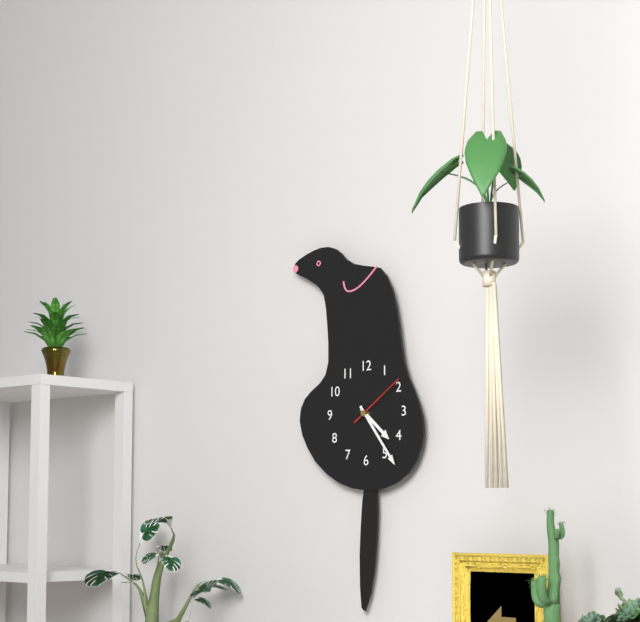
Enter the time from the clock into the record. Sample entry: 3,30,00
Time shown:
4,24,09
